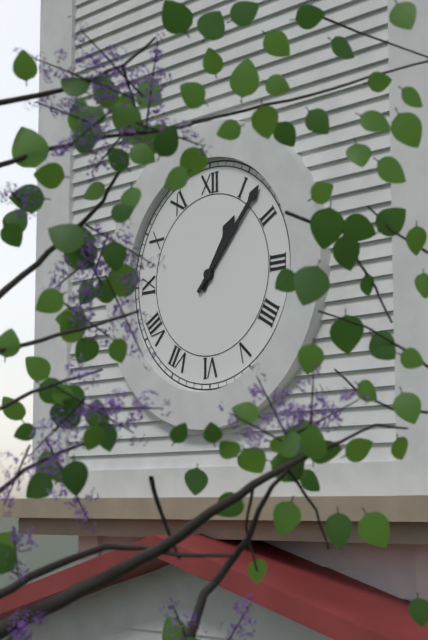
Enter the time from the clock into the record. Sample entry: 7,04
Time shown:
1,07
